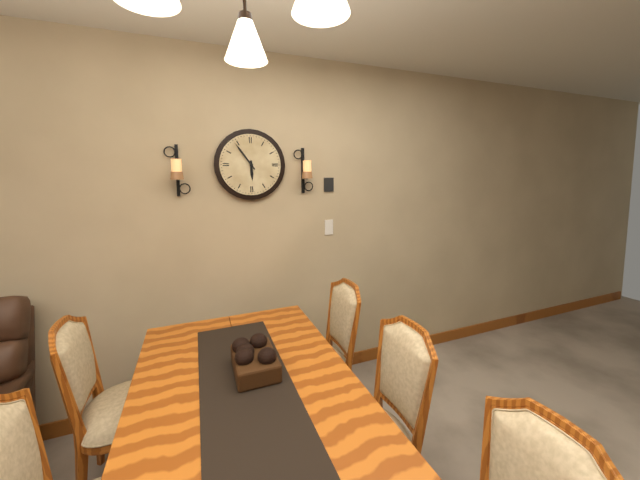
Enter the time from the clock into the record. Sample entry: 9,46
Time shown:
5,54
